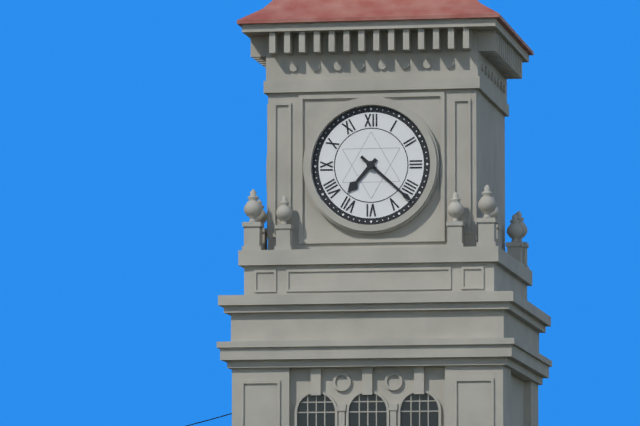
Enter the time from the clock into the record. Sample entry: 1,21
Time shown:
7,22
